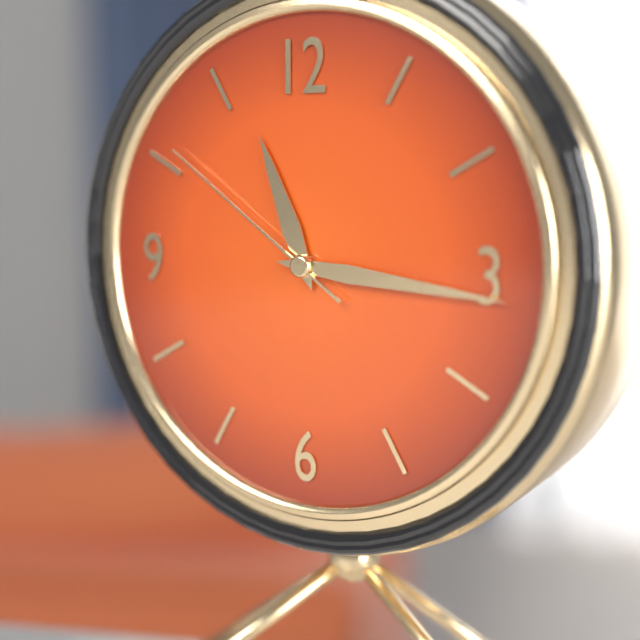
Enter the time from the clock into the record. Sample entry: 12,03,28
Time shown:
11,16,51
